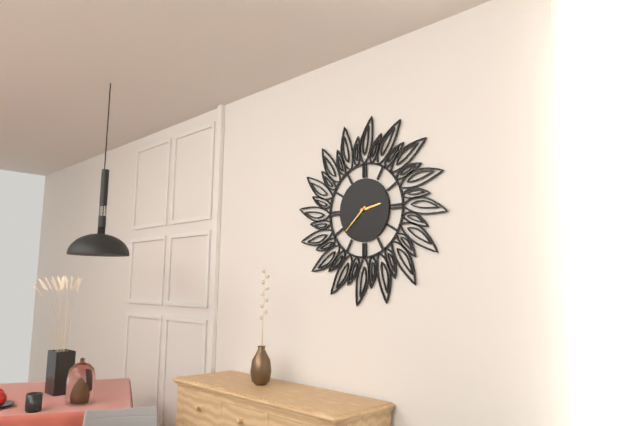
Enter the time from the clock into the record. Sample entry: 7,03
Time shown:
2,38
